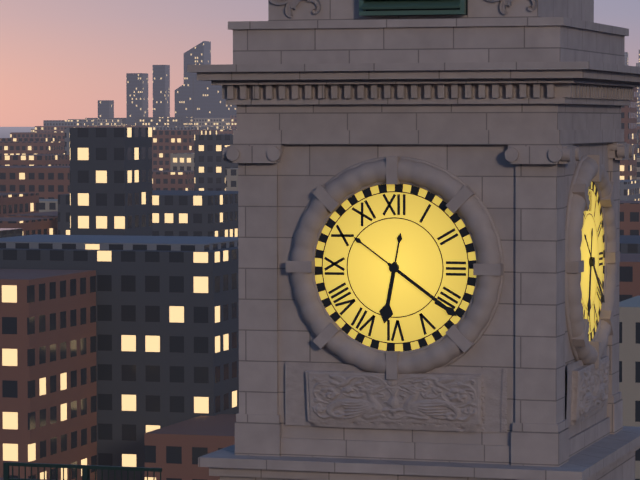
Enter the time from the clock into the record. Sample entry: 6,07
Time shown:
6,21
